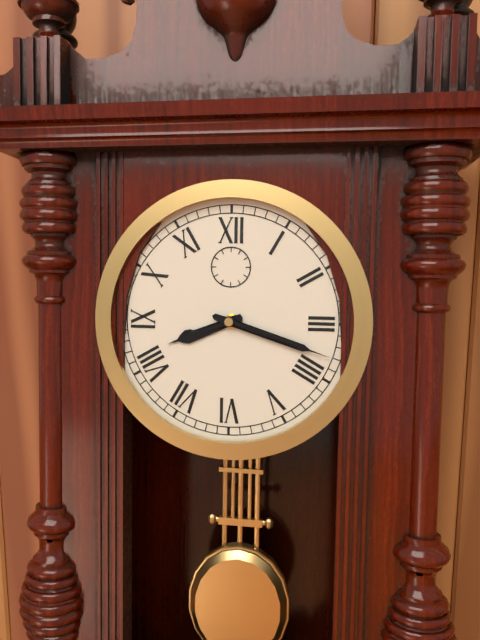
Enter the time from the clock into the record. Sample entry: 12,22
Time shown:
8,18
